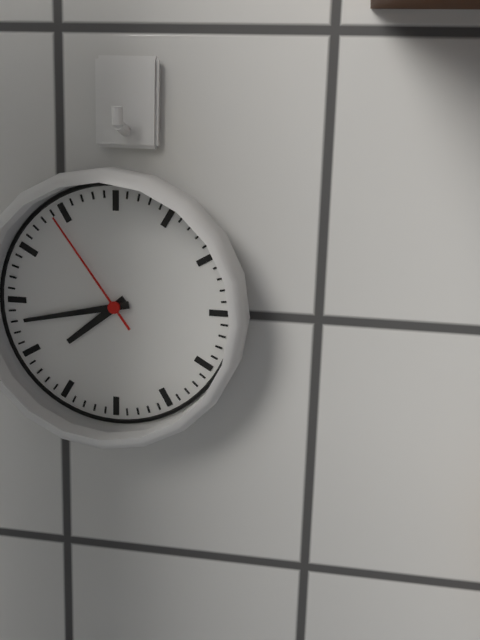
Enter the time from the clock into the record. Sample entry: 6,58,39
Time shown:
7,43,54
